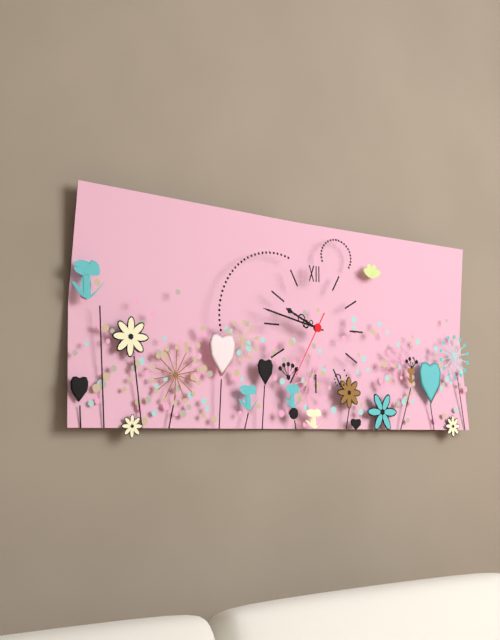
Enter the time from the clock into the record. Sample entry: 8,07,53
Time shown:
9,47,35
